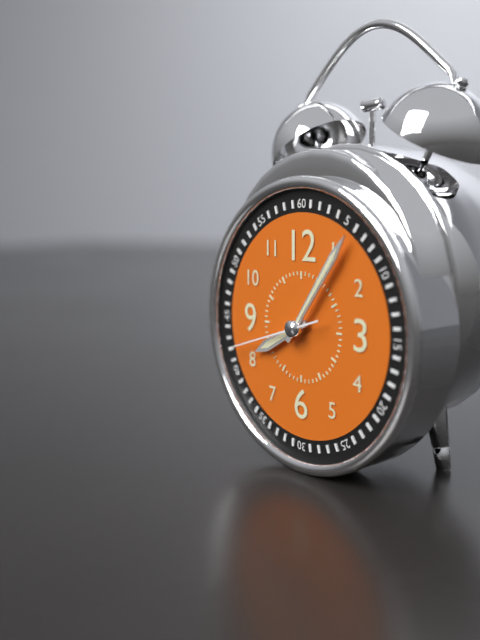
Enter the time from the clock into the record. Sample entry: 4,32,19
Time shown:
8,06,42
